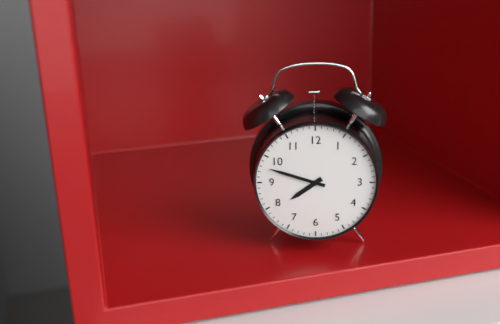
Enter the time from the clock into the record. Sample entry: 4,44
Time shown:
7,48
